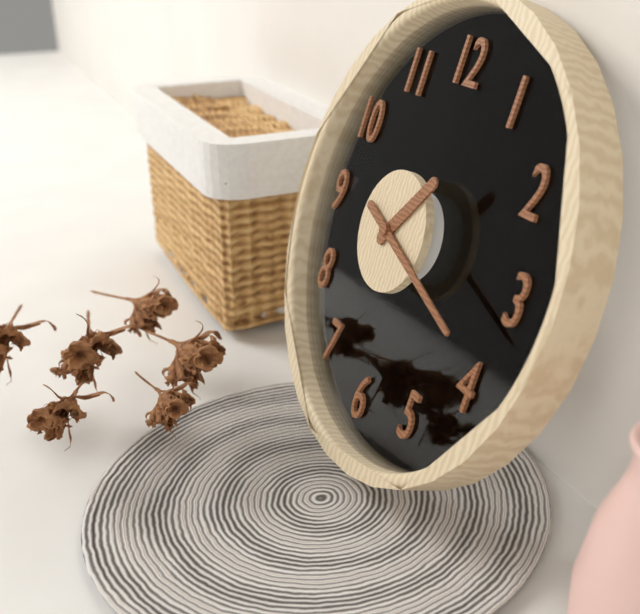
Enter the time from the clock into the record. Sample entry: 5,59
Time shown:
1,18
